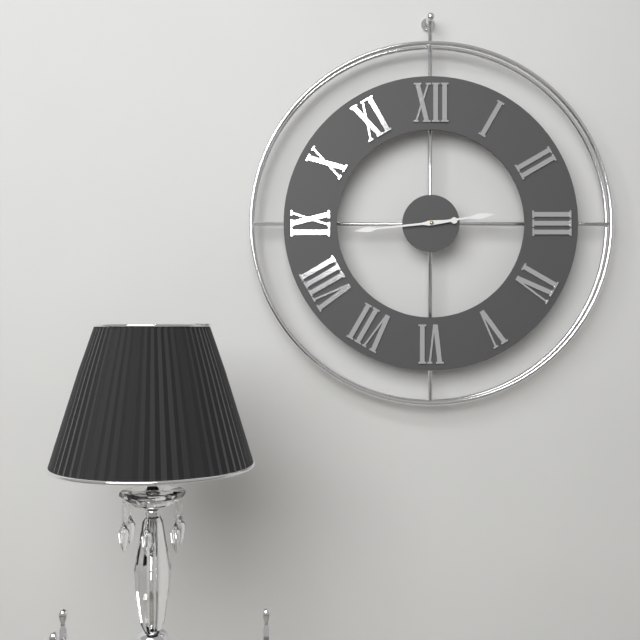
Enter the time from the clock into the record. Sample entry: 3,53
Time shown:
2,44
